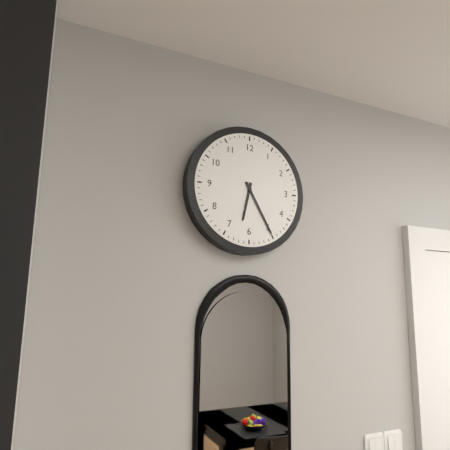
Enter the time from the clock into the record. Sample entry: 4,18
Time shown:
6,25
